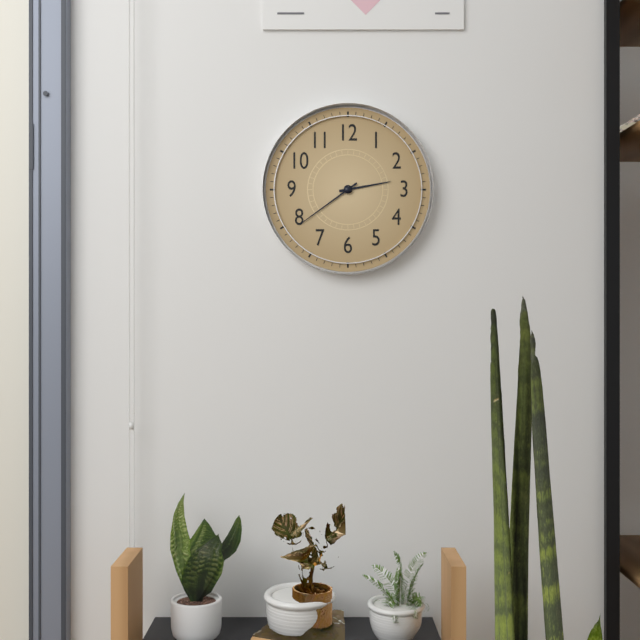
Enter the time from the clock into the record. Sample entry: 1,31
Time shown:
2,39
